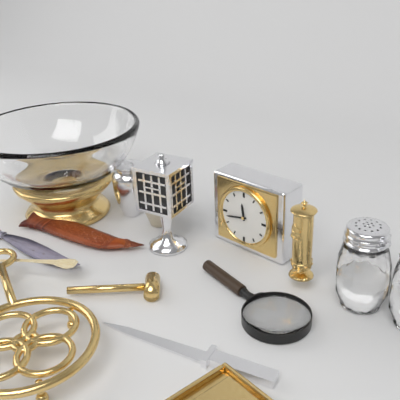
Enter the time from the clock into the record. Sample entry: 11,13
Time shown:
11,43
